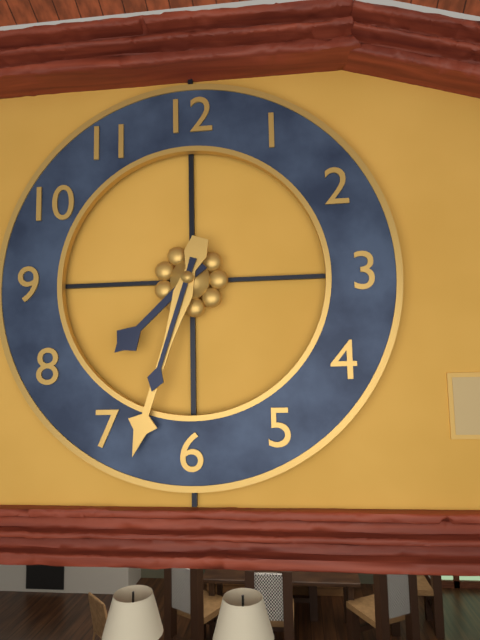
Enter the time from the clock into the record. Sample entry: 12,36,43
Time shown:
7,33,33
